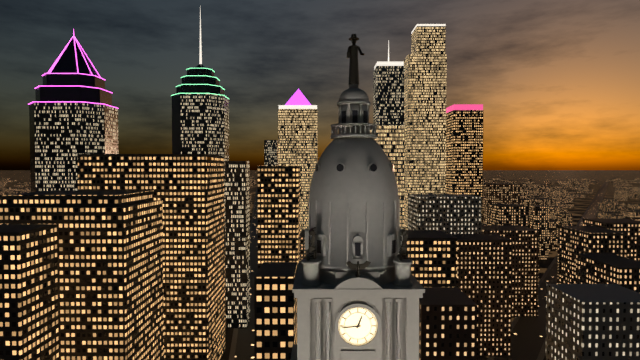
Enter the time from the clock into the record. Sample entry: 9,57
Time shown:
12,44
